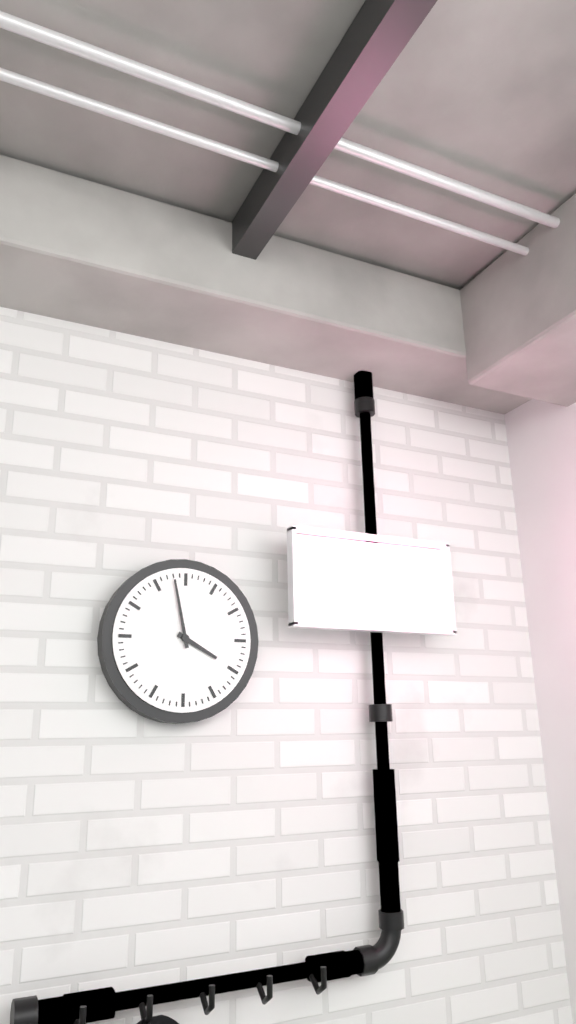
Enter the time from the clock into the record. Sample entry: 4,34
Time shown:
3,58
